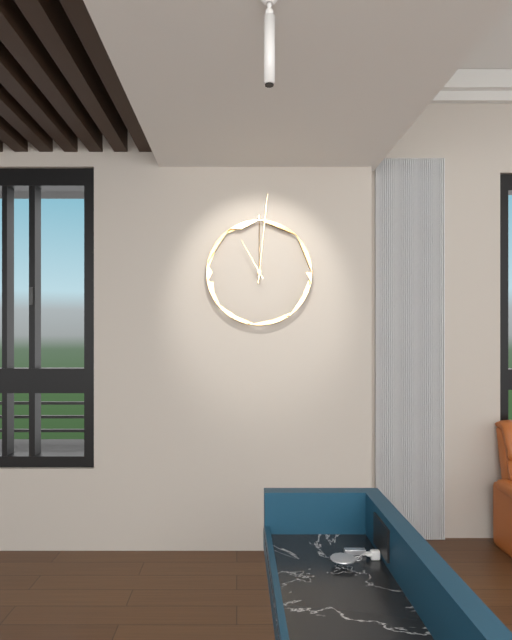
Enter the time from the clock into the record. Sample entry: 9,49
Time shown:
11,01
